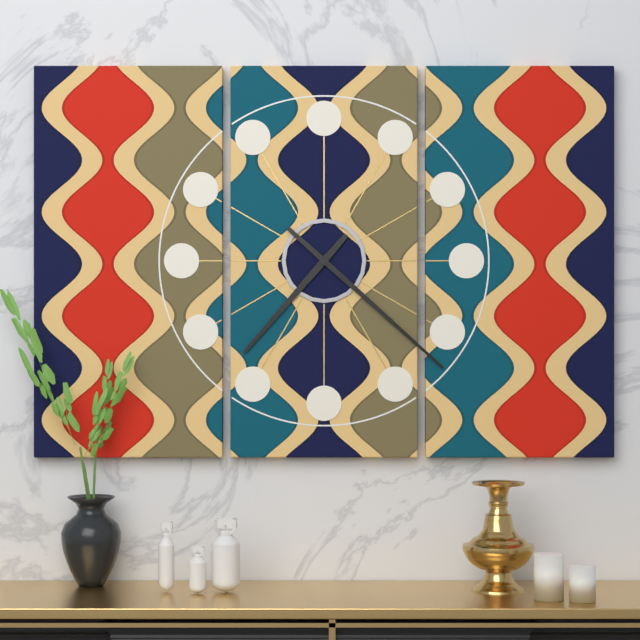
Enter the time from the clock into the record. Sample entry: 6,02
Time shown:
7,22
